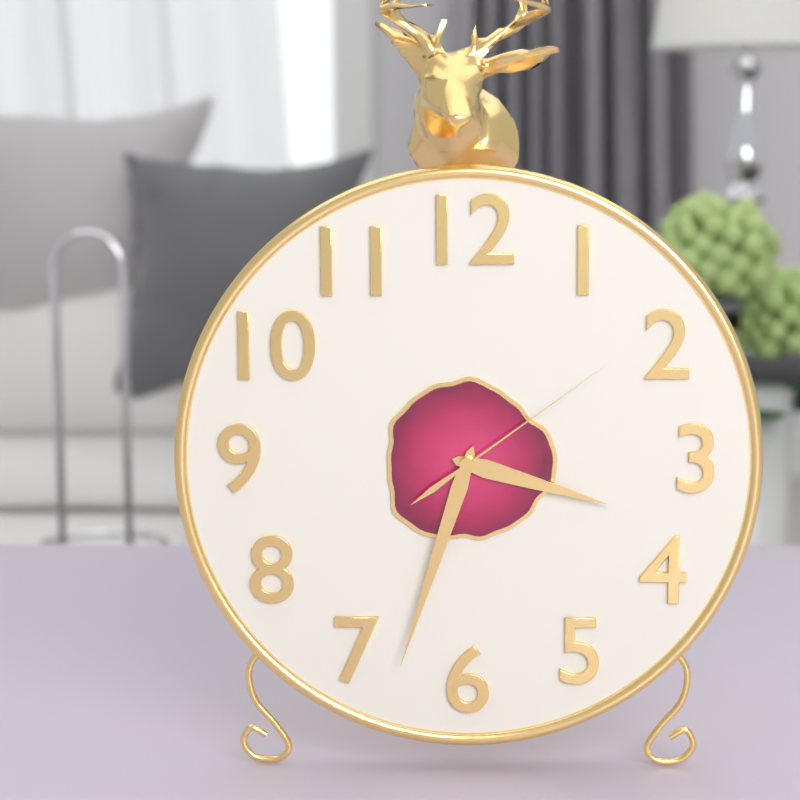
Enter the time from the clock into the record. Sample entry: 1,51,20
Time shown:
3,33,09
